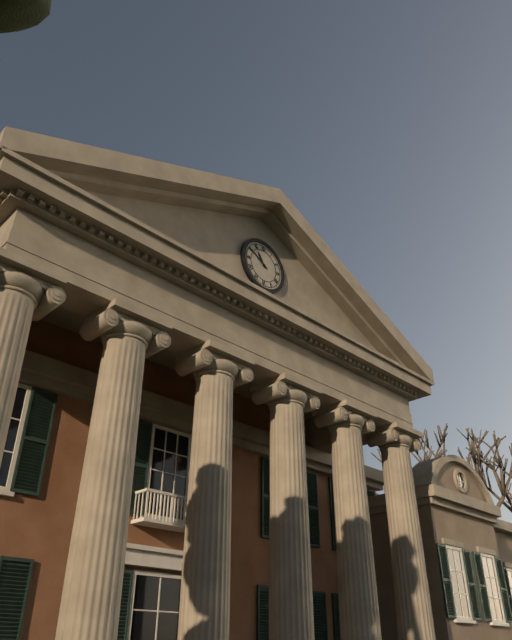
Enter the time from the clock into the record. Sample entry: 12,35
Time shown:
10,50
